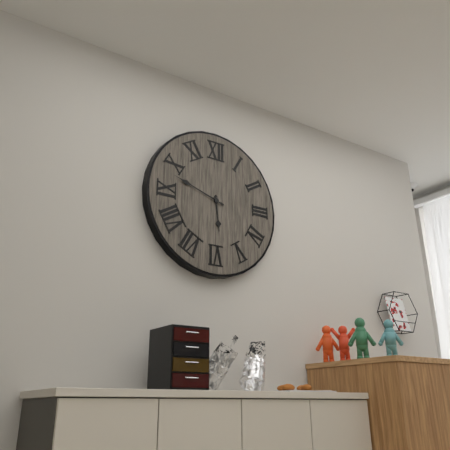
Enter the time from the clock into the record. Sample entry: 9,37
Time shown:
5,48
